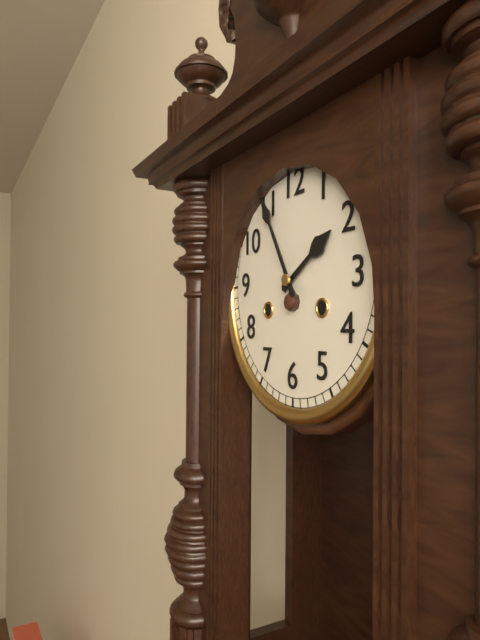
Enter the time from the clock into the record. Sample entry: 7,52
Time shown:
1,55
